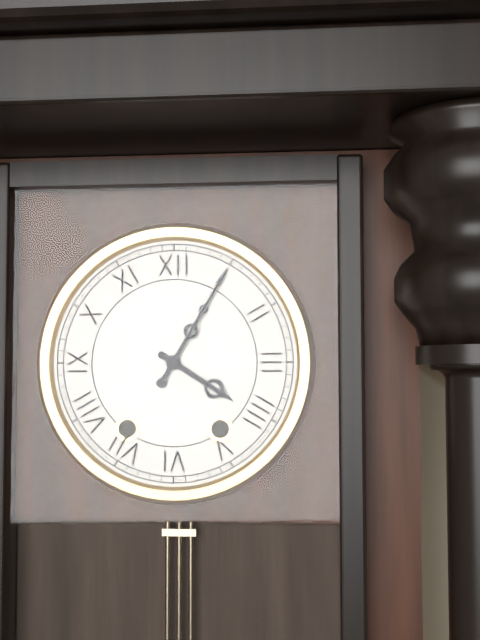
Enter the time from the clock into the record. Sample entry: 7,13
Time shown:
4,05
